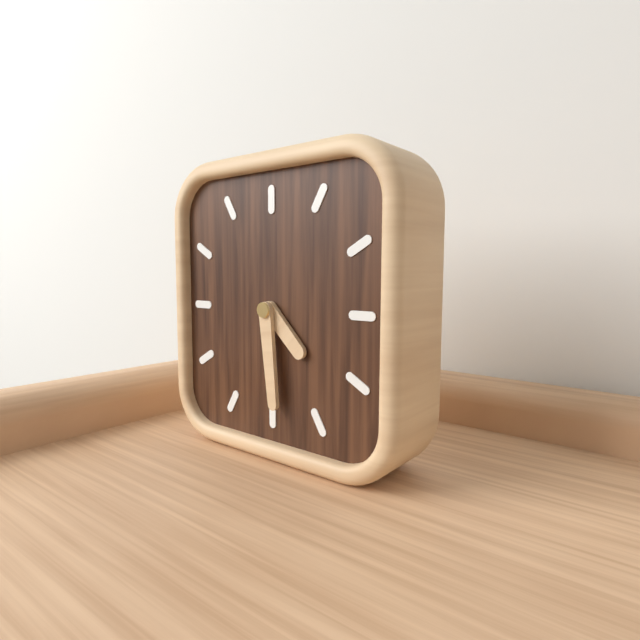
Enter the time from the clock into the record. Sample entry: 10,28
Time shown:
4,29
